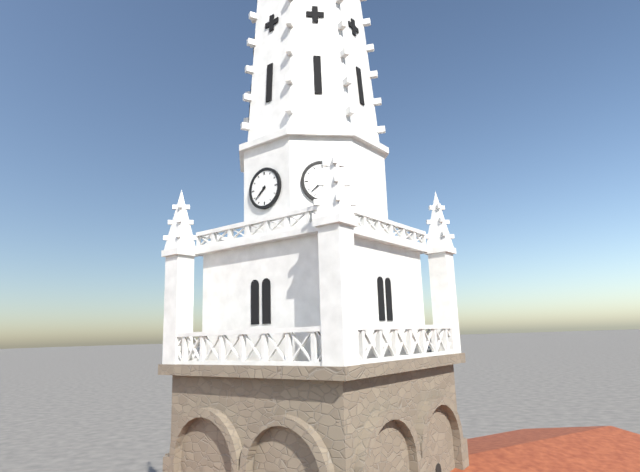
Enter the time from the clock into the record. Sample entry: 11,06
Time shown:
7,38
